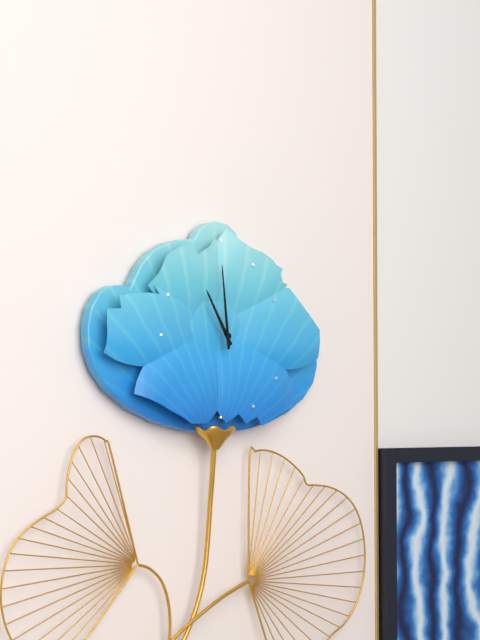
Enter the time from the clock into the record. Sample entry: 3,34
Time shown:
10,59
